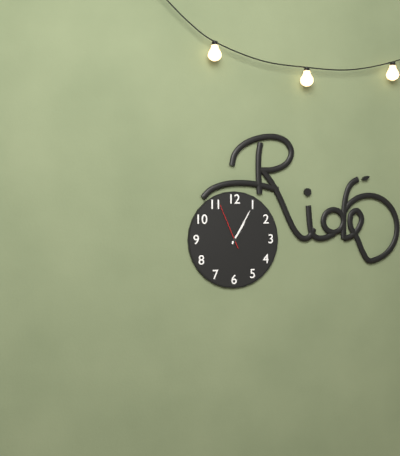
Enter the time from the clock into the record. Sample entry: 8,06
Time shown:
1,05
